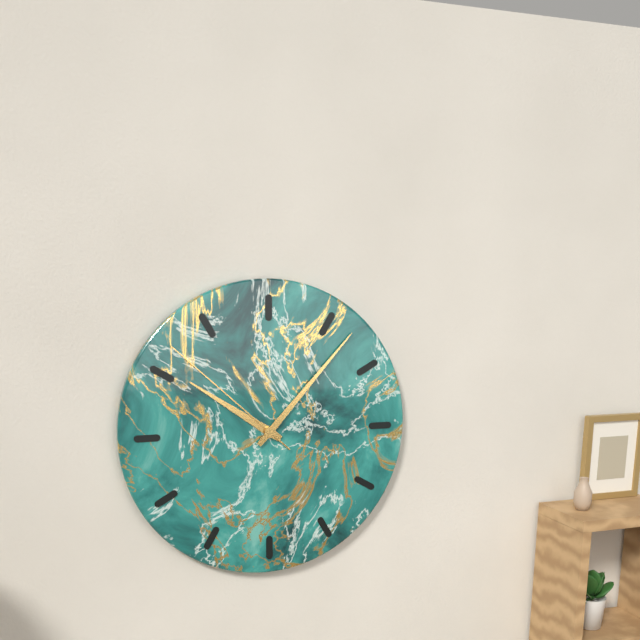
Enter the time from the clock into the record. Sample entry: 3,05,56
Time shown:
10,07,52
